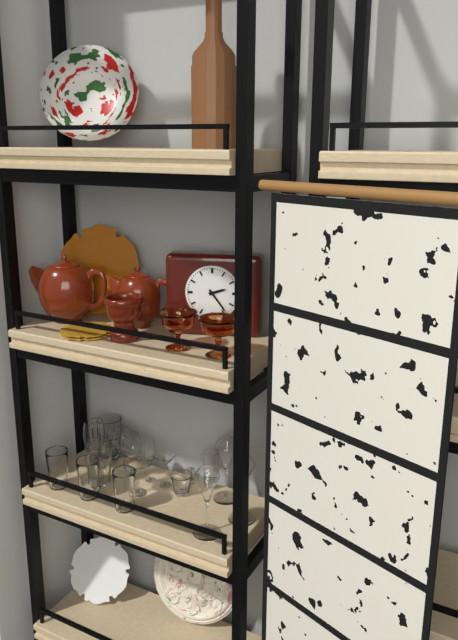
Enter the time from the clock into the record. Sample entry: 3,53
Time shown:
2,24
